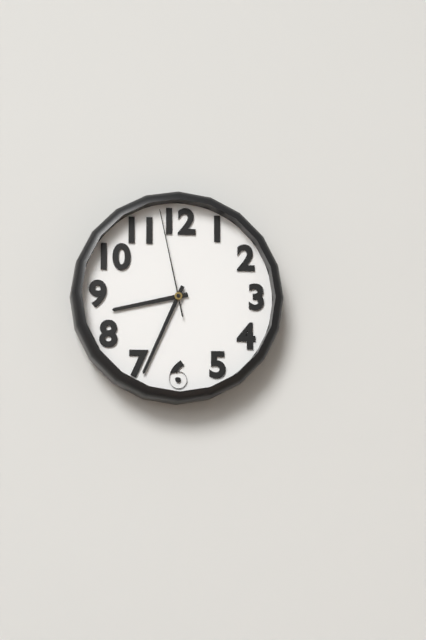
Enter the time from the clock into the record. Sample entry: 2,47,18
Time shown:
8,34,58
